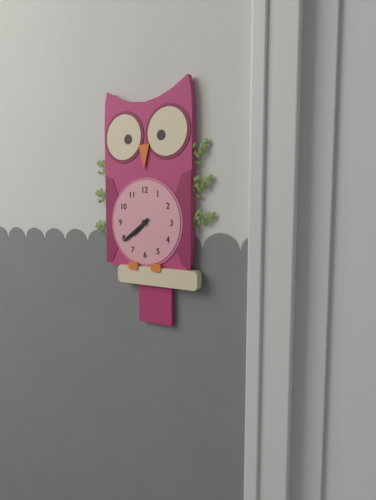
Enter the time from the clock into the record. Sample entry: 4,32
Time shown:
7,39
